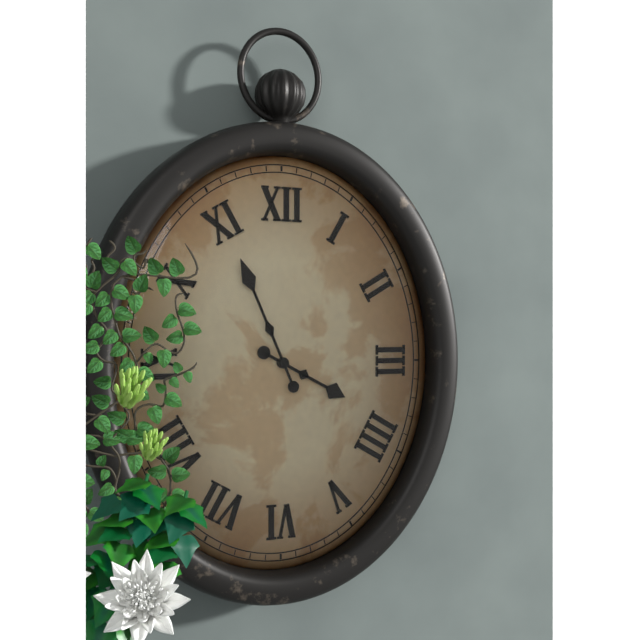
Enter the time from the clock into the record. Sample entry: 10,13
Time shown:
3,56
